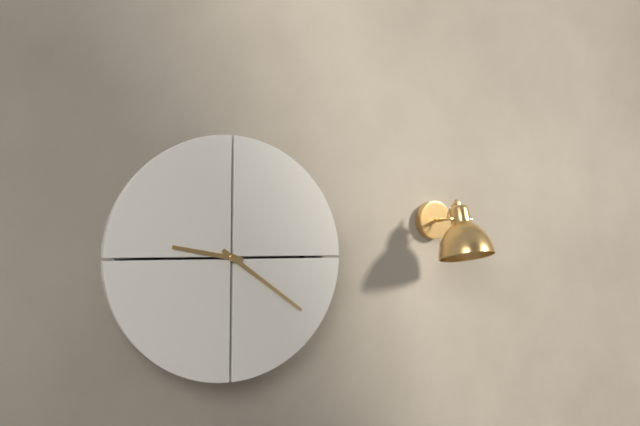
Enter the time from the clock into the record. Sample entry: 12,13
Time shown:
9,21
